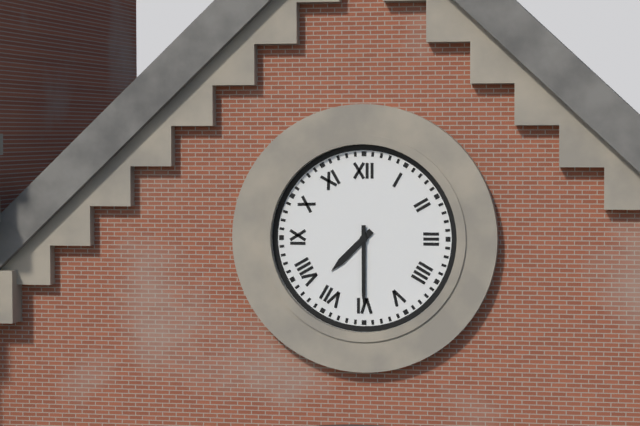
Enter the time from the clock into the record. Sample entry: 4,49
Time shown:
7,30
